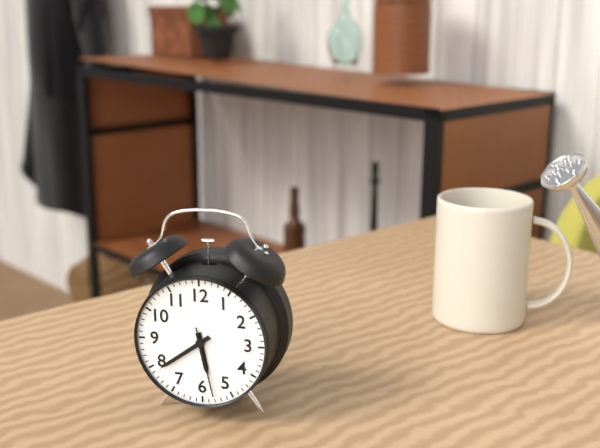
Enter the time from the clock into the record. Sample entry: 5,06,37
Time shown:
5,39,28
